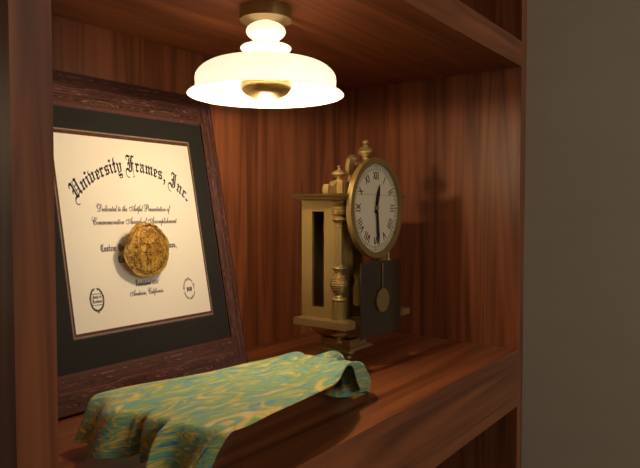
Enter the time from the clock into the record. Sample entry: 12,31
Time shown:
12,29
